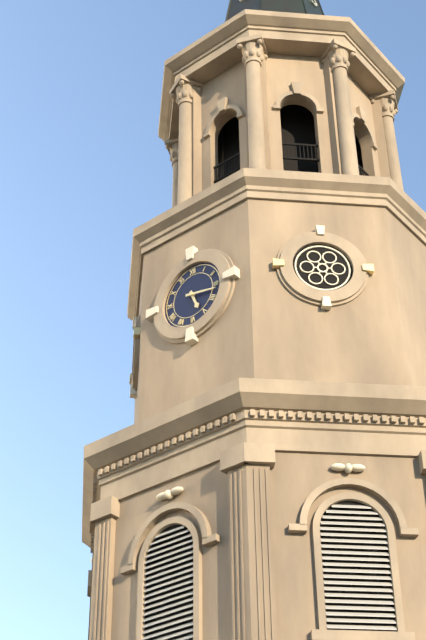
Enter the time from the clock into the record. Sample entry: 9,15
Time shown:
5,17
